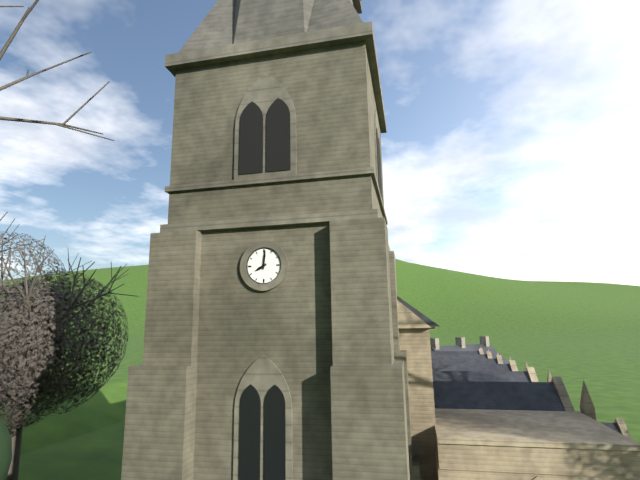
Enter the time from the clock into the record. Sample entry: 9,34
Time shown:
8,01
